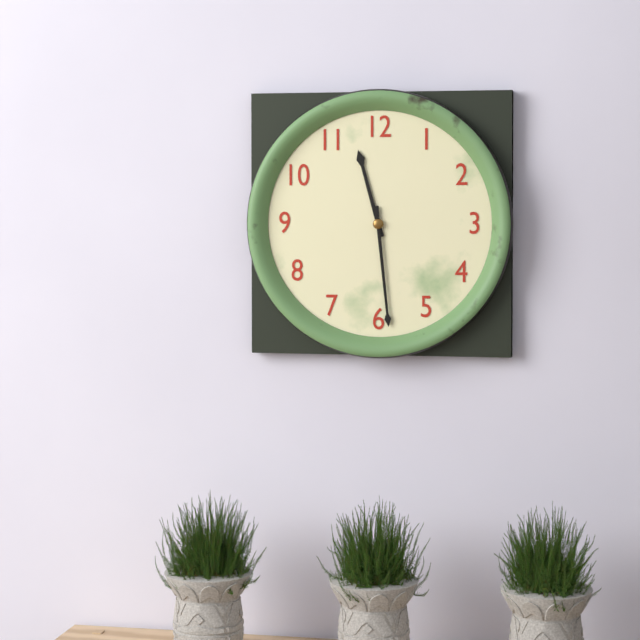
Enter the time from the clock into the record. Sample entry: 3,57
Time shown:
11,29
